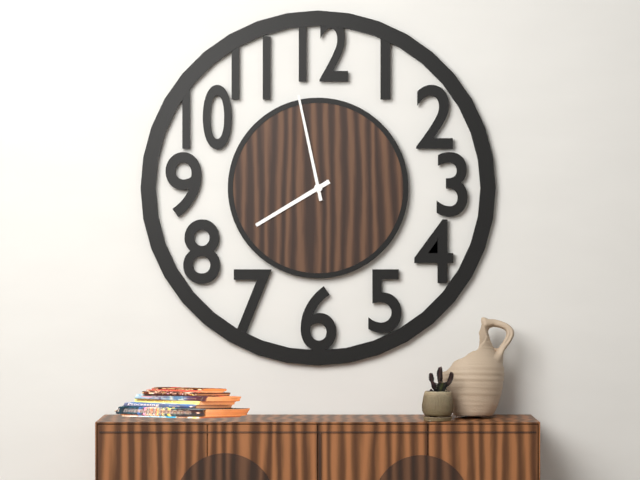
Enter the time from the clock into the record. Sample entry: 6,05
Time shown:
7,58
